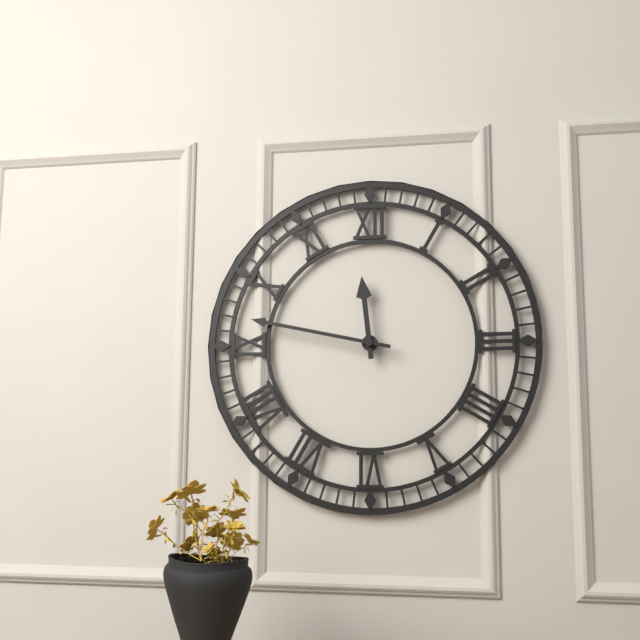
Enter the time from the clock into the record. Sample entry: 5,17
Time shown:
11,47
